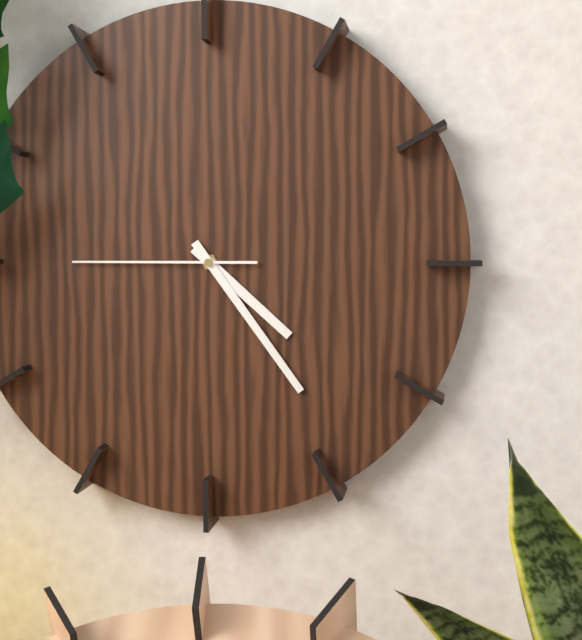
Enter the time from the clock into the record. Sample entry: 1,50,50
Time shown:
4,24,45
